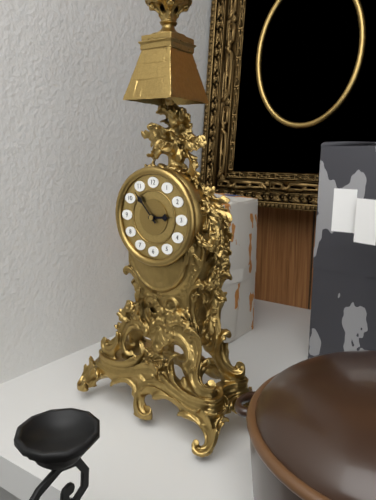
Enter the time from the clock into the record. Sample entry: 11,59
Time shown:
2,53
